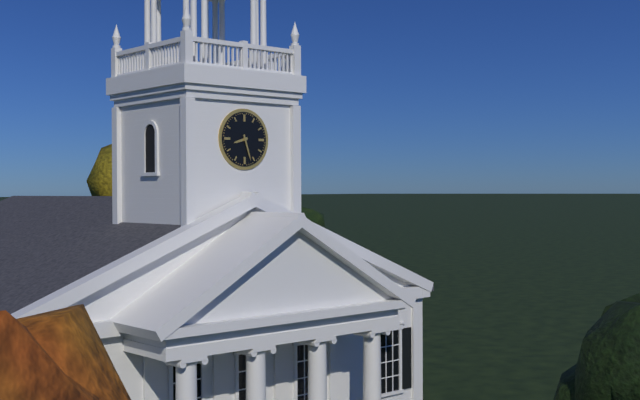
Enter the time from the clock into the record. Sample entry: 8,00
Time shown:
8,27
